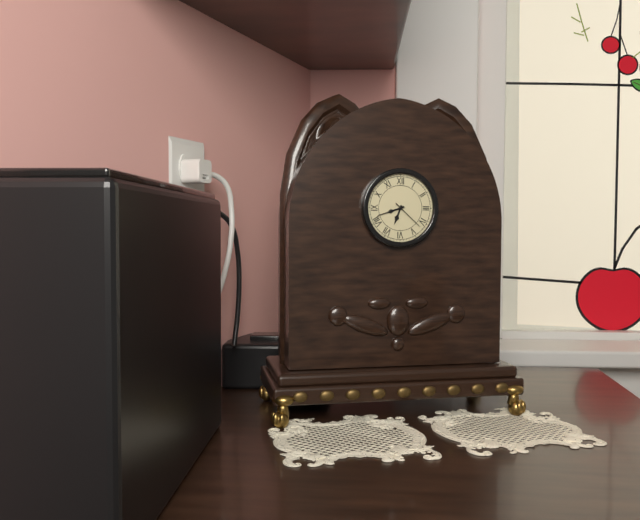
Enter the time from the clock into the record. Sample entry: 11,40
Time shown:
6,42
